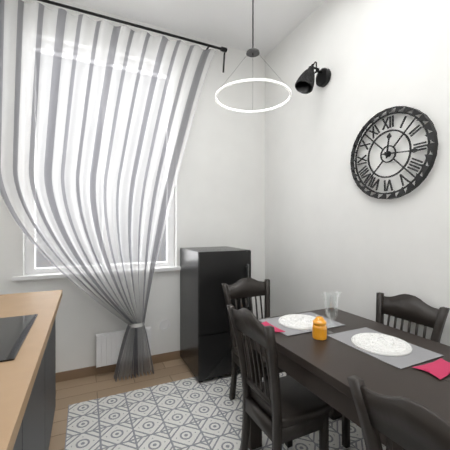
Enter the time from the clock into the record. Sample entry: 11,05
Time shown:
12,16
